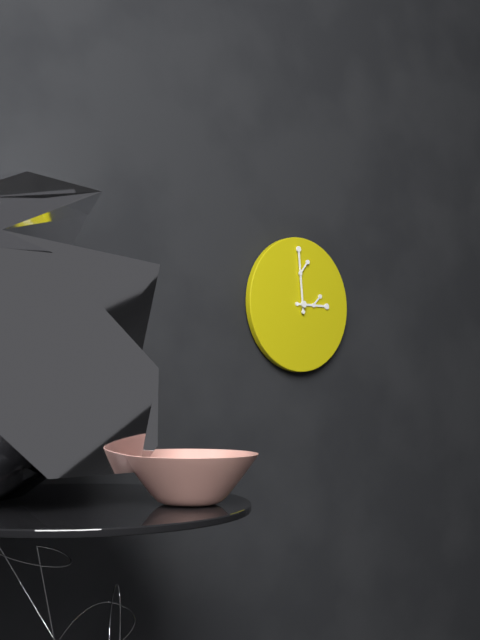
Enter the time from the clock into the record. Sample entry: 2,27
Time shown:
2,59
